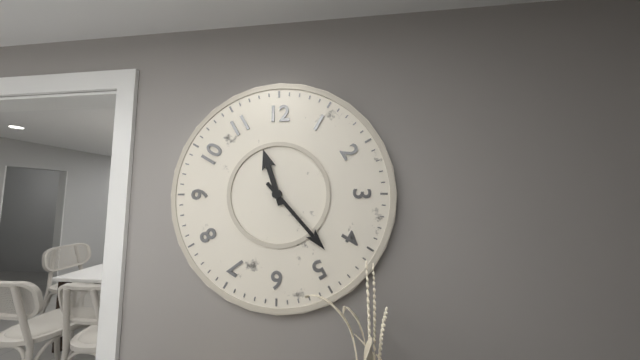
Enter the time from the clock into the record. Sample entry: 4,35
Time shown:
11,23
